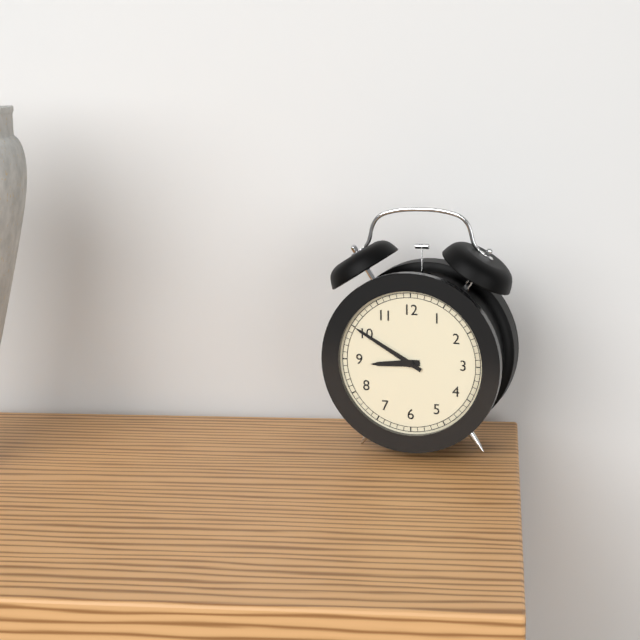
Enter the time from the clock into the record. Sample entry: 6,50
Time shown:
8,50
